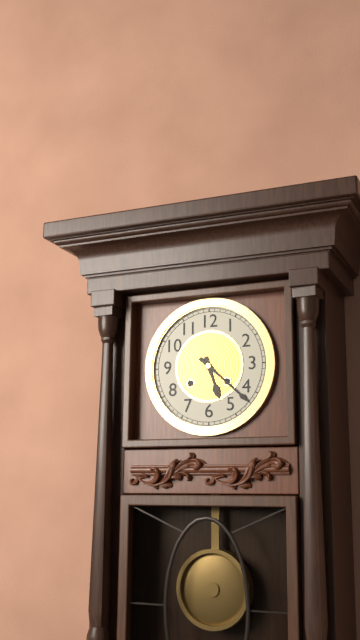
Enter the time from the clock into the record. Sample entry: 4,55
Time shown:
5,22
